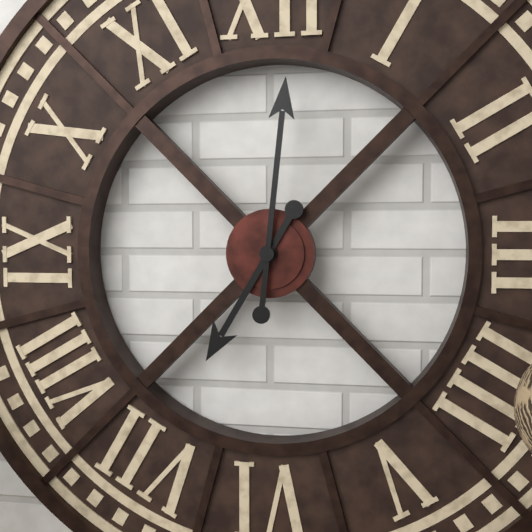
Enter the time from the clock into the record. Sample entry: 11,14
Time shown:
7,01
